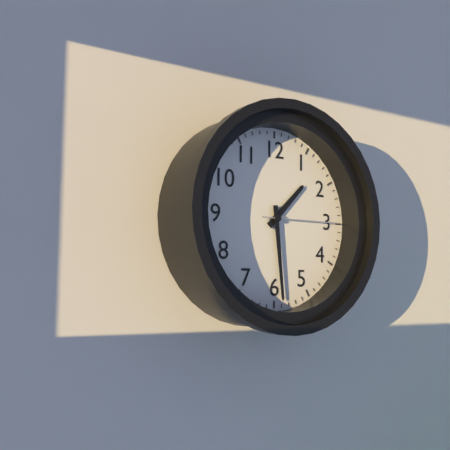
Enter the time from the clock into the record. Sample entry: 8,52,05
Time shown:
1,29,15
